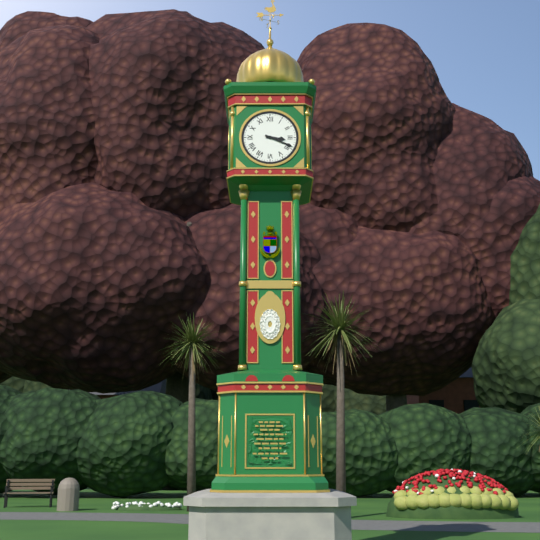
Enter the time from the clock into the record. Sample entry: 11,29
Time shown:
3,19
